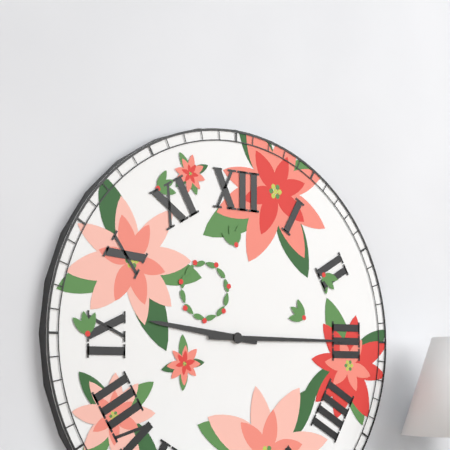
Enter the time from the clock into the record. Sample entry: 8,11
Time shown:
9,15
